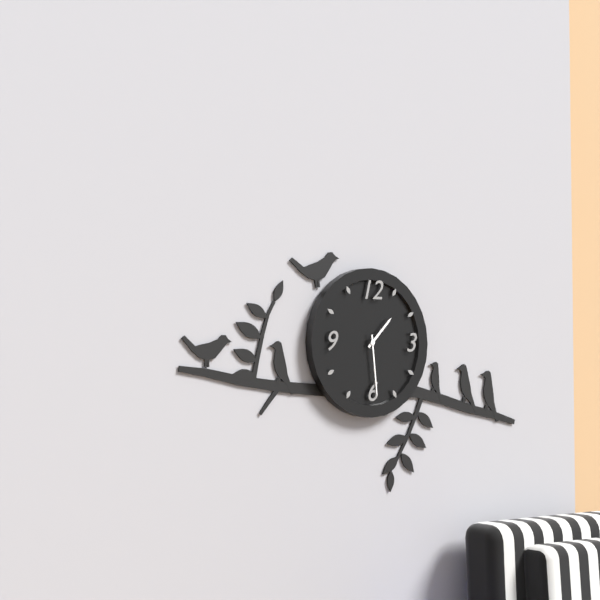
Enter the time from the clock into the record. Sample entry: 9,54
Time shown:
1,29
